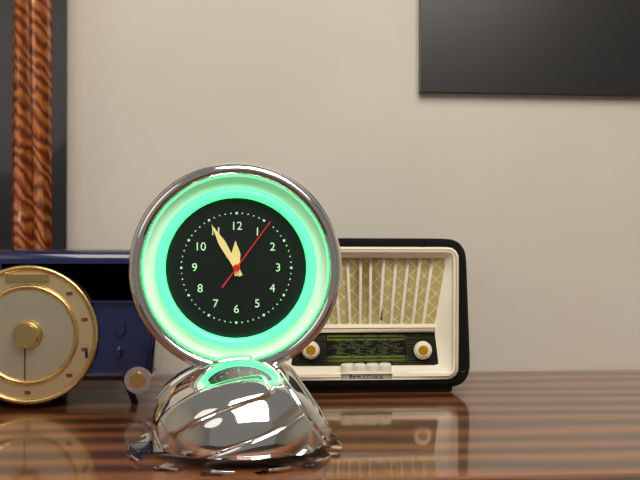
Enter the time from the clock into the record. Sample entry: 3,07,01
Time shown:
11,55,06
